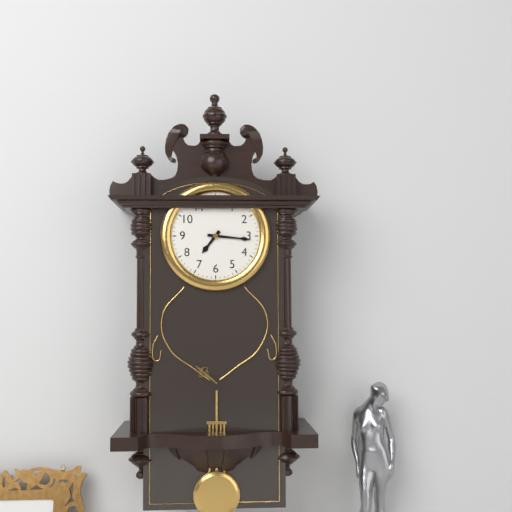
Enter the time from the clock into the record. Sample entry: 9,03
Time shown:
7,16
